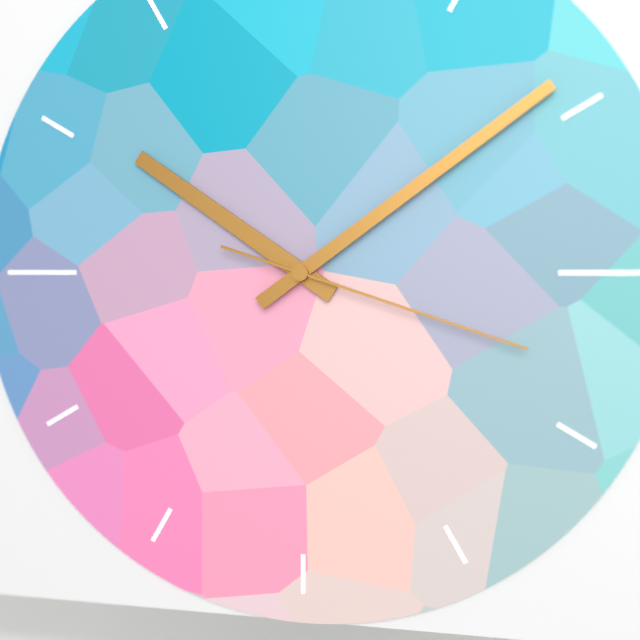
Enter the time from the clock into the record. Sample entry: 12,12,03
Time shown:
10,09,18
